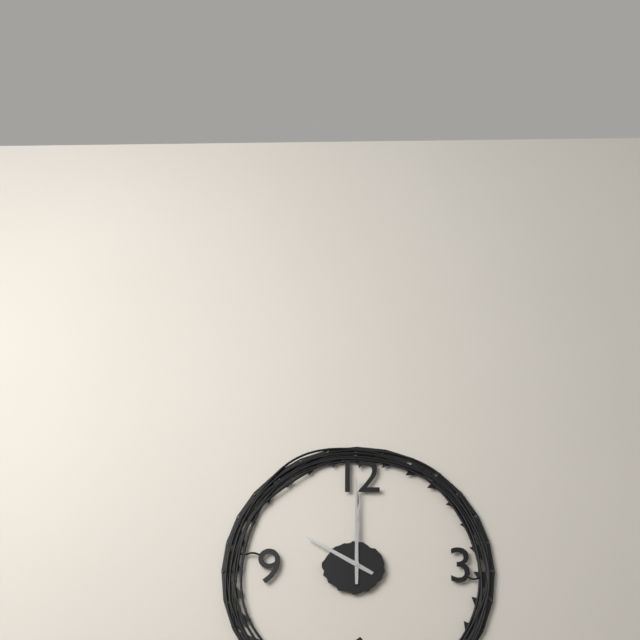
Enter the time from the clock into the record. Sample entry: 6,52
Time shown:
10,00
